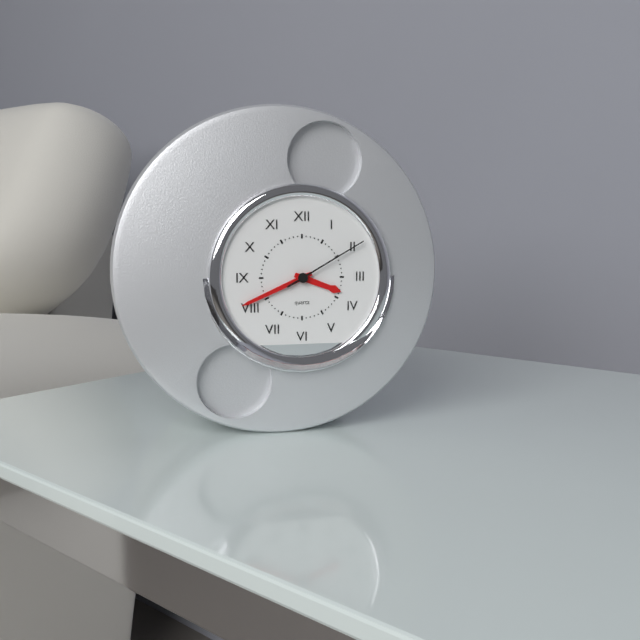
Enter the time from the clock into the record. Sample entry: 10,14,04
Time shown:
3,41,10
